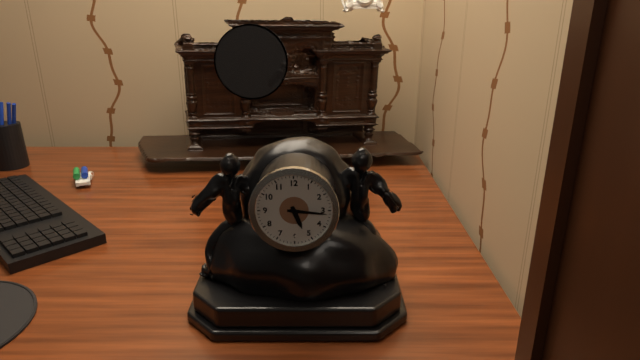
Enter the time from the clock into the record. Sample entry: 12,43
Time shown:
5,16
